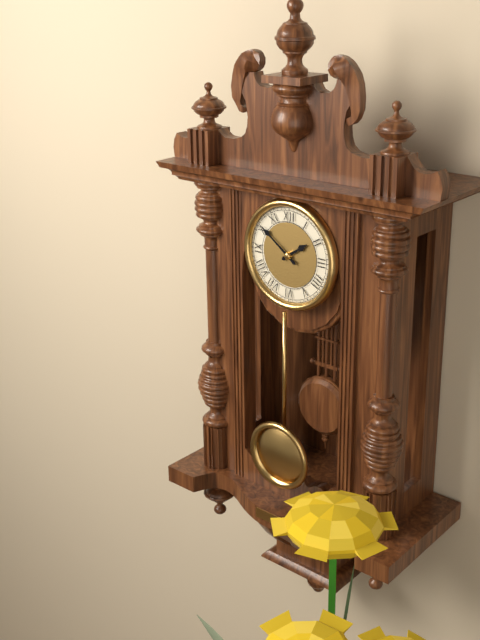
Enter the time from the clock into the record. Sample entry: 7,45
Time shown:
1,51
